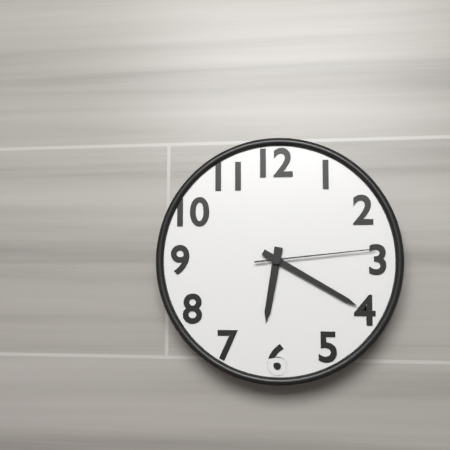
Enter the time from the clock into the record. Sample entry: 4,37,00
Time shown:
6,20,14
